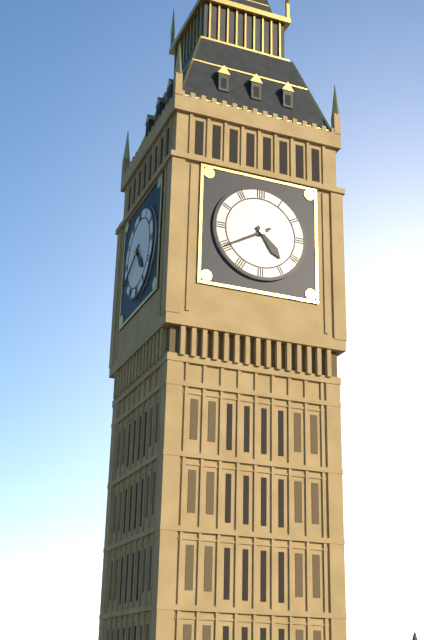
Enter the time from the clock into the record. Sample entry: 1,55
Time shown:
4,40
